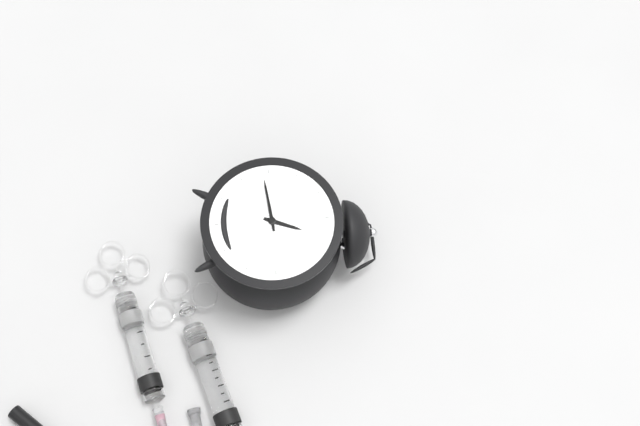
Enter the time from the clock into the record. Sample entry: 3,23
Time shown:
12,44
